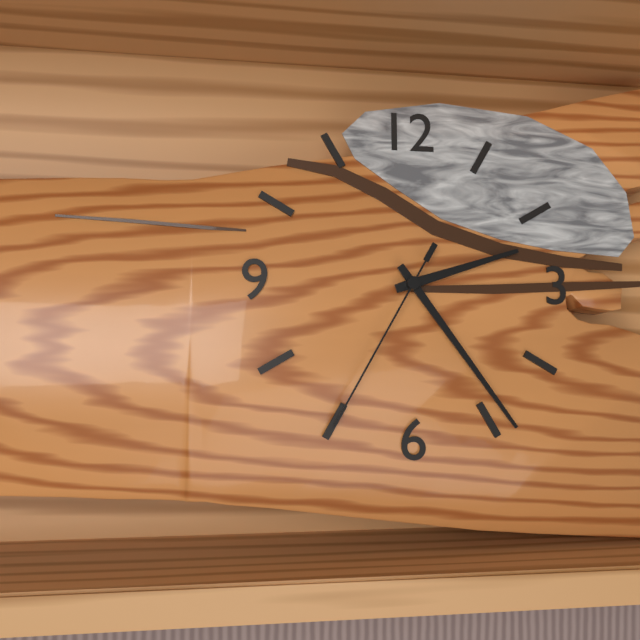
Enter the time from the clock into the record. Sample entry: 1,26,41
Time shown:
2,24,35
